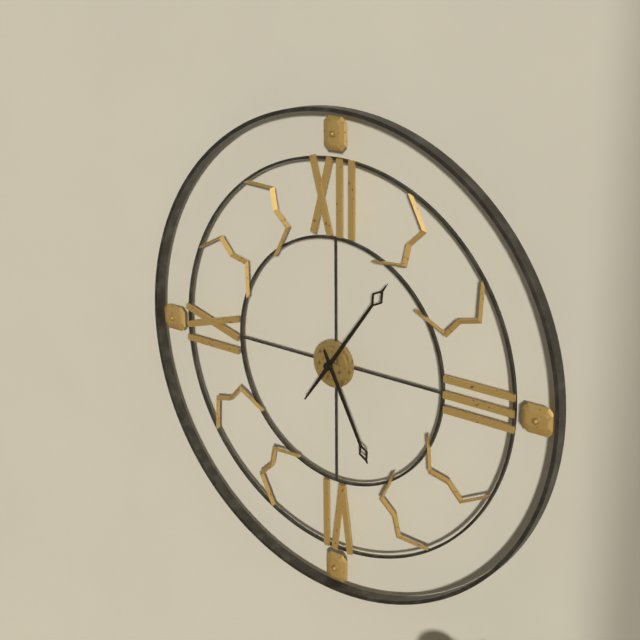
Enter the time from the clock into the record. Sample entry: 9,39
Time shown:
5,06
